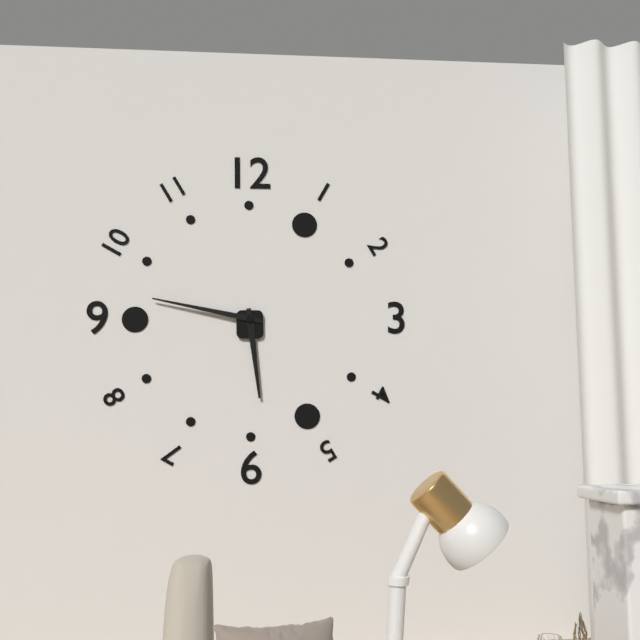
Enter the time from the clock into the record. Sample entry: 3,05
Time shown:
5,47
